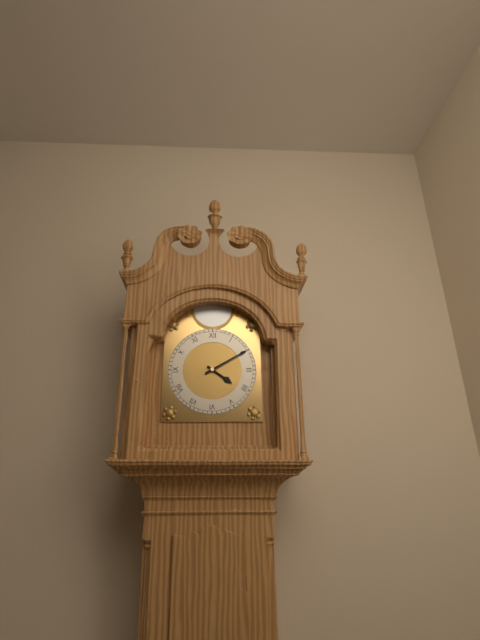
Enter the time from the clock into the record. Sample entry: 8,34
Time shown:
4,10
